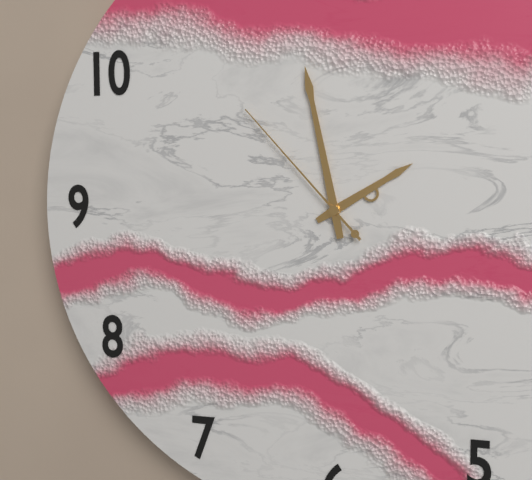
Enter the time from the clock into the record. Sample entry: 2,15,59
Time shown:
1,58,53
